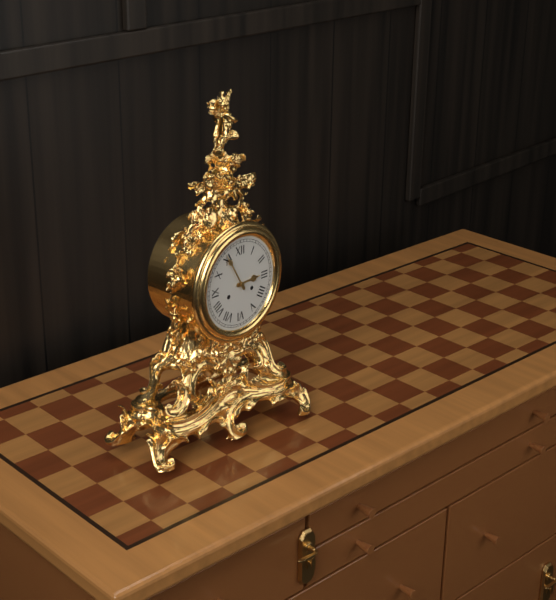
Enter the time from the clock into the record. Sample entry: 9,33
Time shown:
2,55
